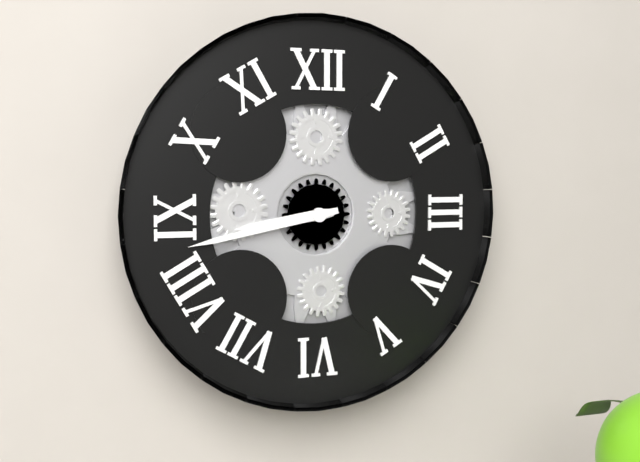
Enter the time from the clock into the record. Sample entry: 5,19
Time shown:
8,43
